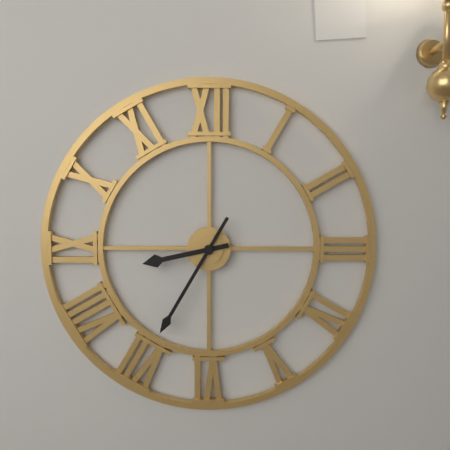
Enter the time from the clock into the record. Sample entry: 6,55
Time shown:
8,35
